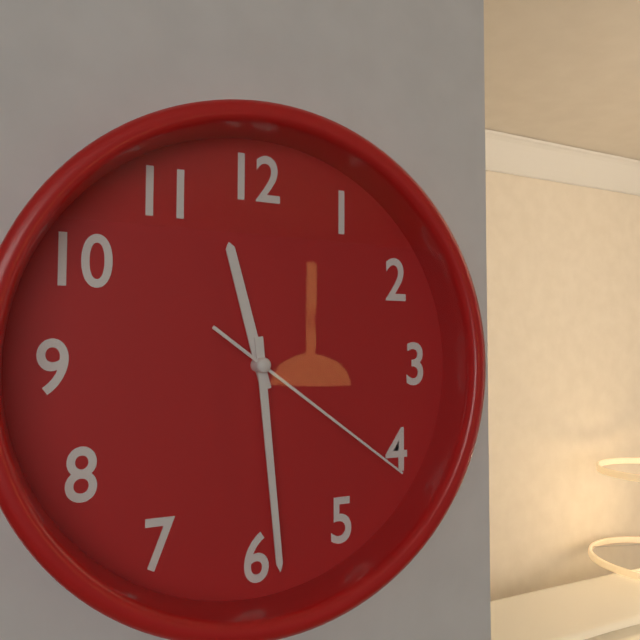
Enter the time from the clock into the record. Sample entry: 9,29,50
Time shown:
11,29,21
